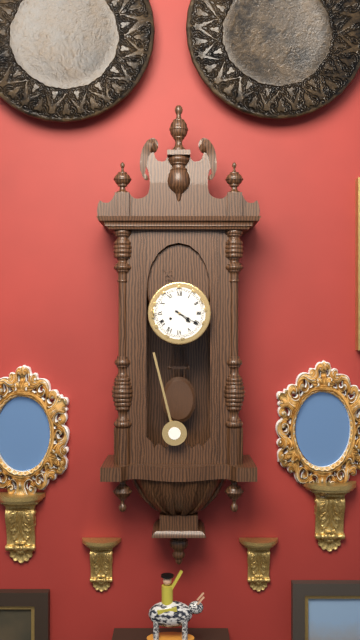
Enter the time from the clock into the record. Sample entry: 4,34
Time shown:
4,20
